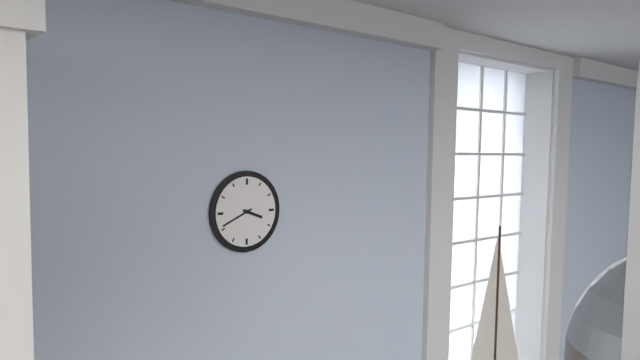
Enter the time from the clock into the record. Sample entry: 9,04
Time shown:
3,41
